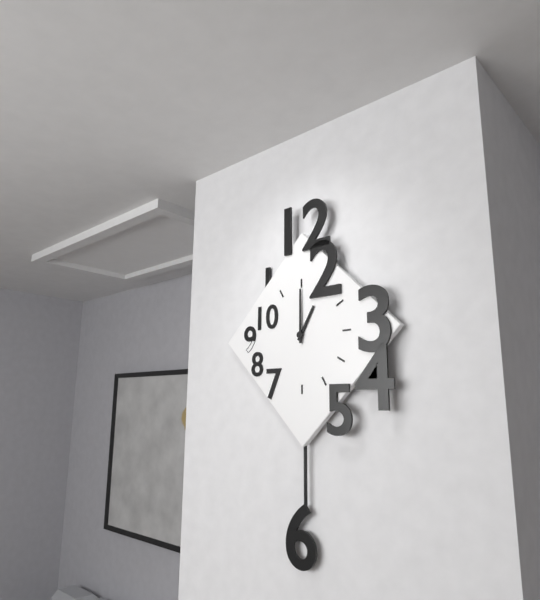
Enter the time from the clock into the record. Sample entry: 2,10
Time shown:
1,00
